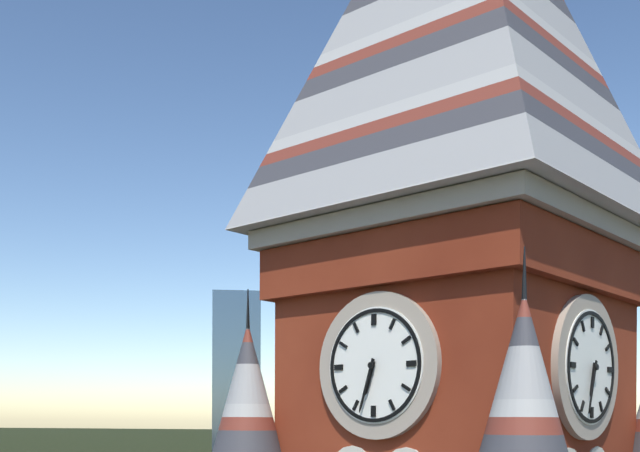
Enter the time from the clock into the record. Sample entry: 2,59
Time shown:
6,33
